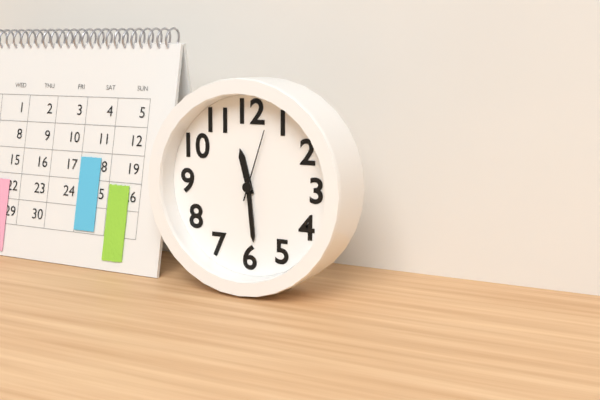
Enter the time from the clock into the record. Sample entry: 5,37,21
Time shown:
11,29,03
